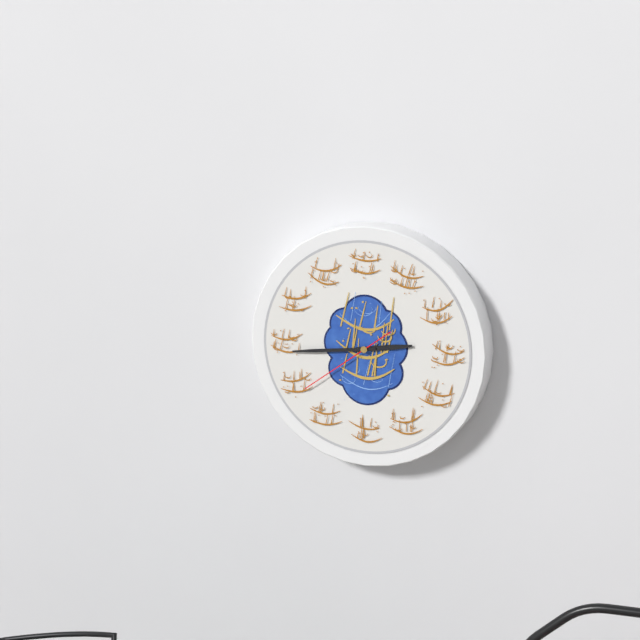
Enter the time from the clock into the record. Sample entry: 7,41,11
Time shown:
2,44,39
